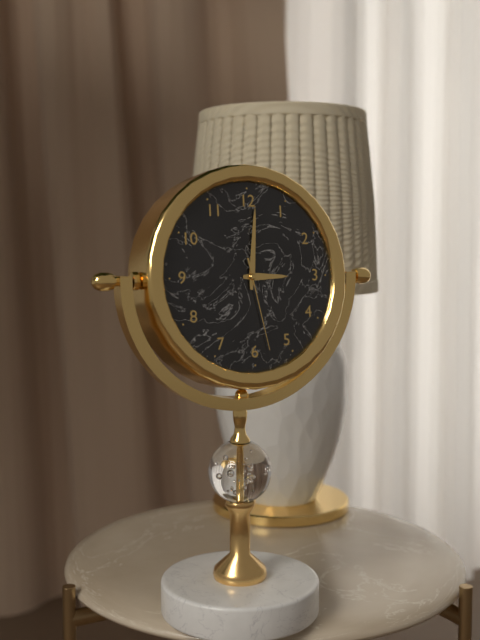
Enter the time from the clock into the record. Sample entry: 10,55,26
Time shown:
3,01,28
